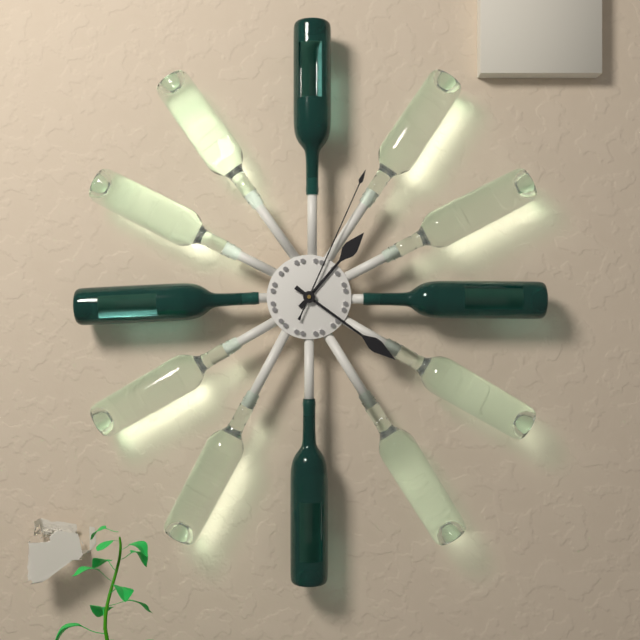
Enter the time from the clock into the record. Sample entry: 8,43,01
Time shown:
1,21,04
